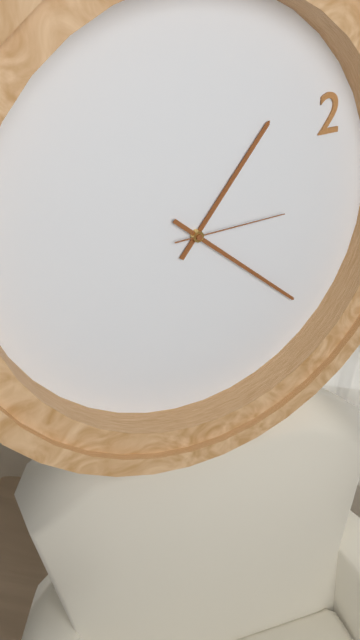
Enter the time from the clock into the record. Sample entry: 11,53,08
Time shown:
1,22,15
